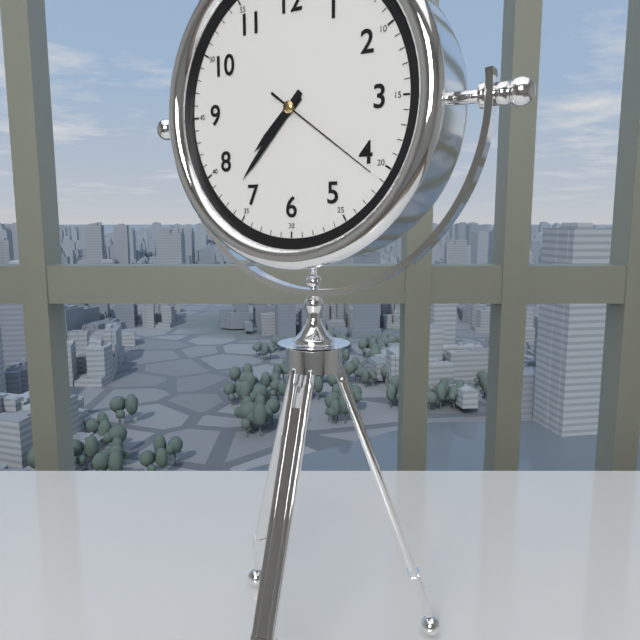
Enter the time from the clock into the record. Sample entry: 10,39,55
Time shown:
7,37,21
